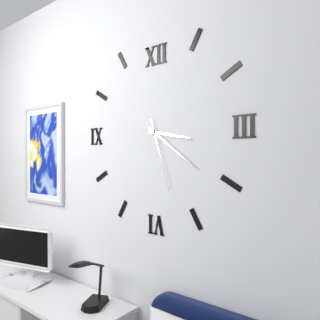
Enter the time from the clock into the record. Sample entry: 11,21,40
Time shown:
3,21,27
